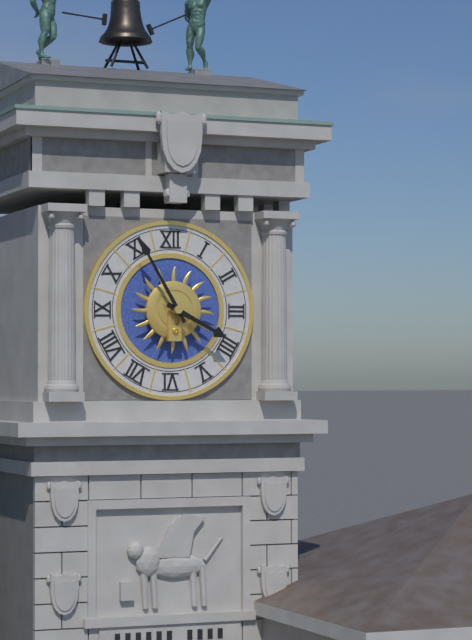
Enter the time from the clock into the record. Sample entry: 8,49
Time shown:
3,55
